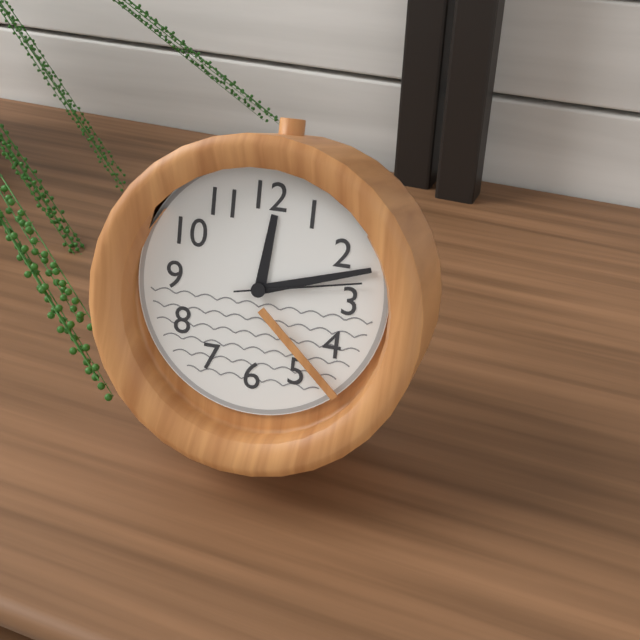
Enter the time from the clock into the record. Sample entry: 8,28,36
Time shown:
12,12,13
